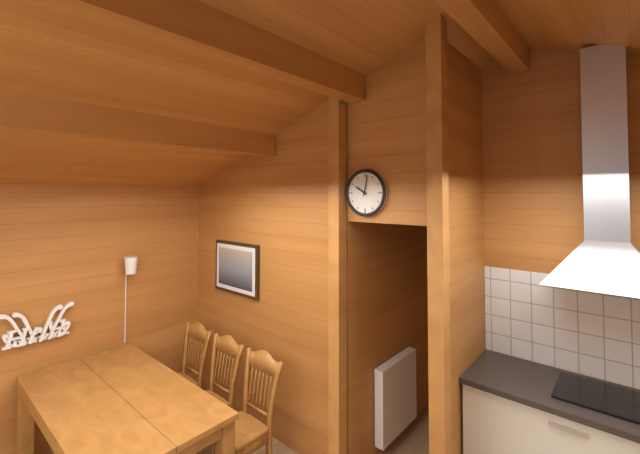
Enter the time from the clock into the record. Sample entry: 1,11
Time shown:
10,02
